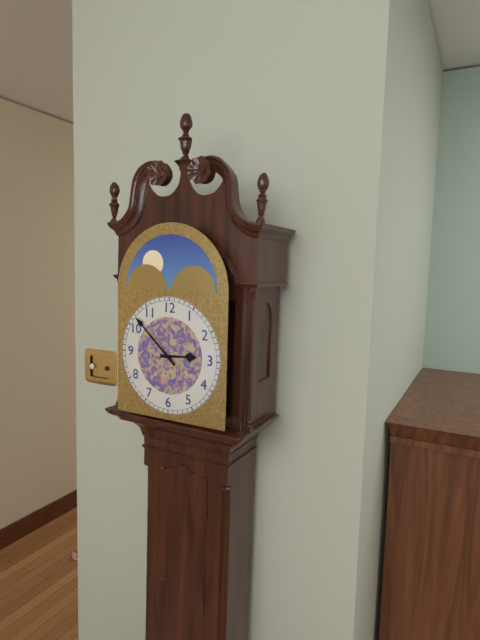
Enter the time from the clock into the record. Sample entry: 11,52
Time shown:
2,52
